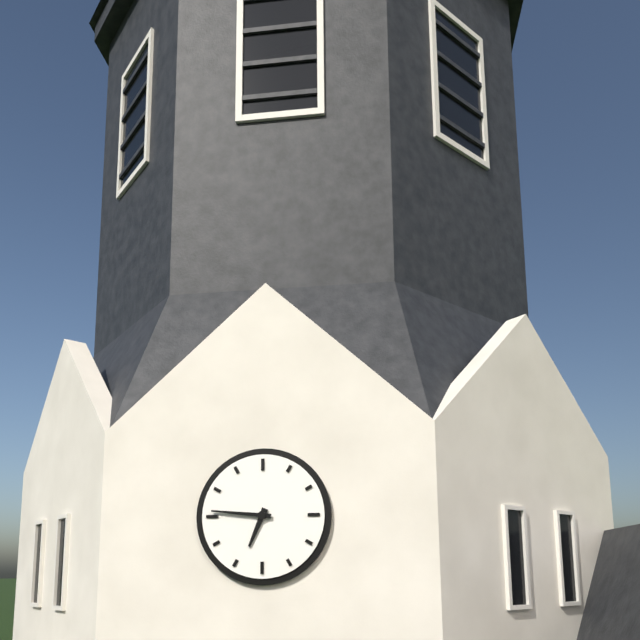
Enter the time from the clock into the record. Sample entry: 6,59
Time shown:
6,46
